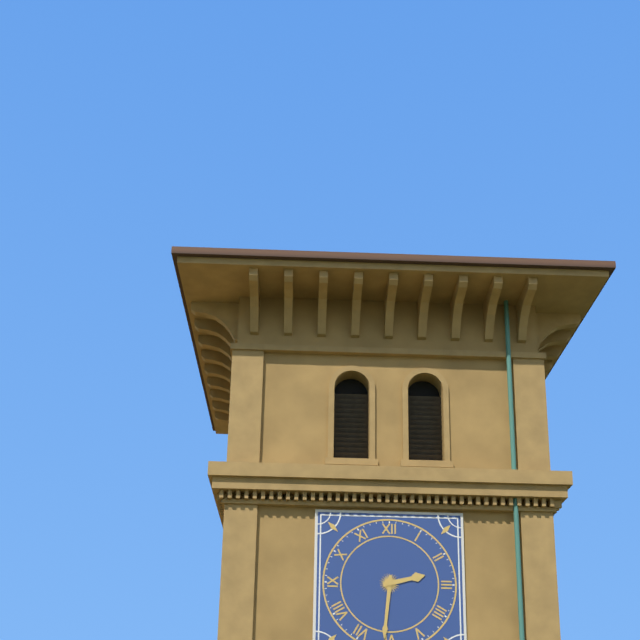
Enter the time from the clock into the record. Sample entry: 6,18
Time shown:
2,31
